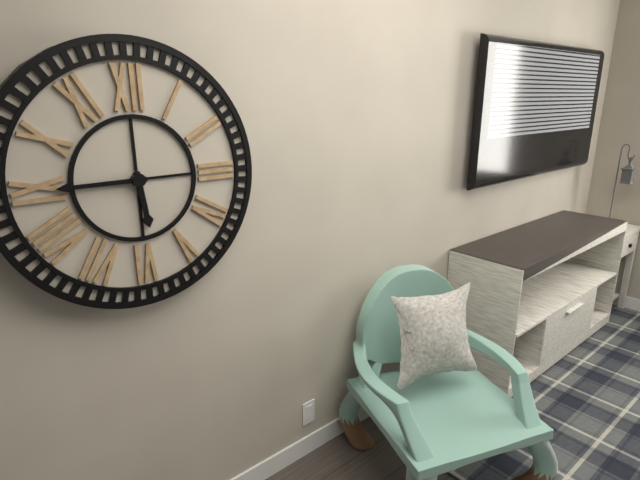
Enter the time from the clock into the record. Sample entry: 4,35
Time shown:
5,45
